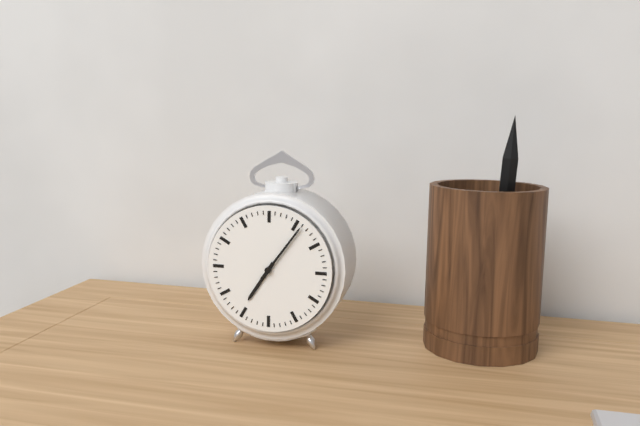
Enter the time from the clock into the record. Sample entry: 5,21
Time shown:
7,06
